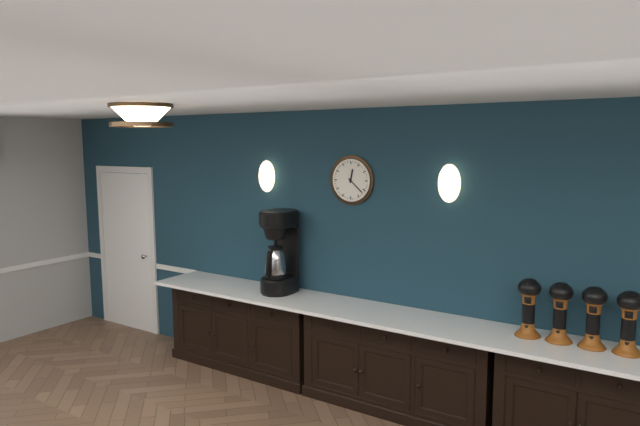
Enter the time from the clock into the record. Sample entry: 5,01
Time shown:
12,22
